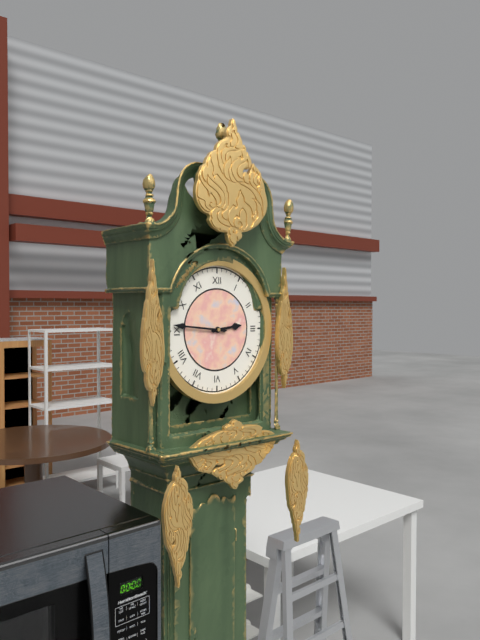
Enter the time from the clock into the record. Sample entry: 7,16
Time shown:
2,46
